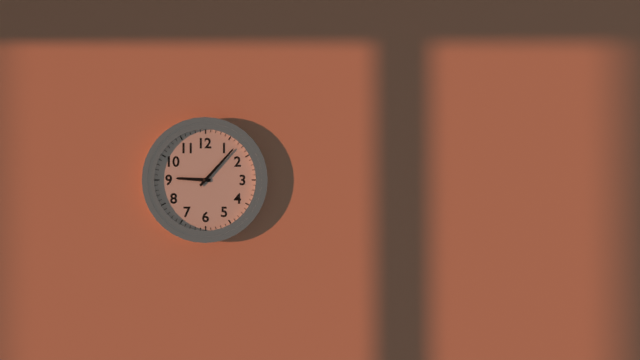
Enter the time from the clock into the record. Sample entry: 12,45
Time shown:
9,07
